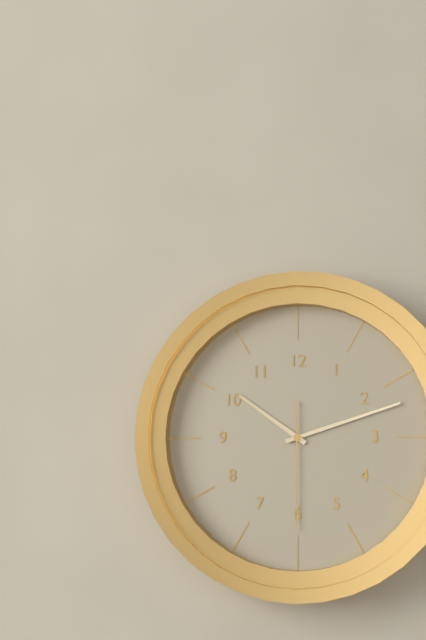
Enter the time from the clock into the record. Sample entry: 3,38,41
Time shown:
10,12,30
